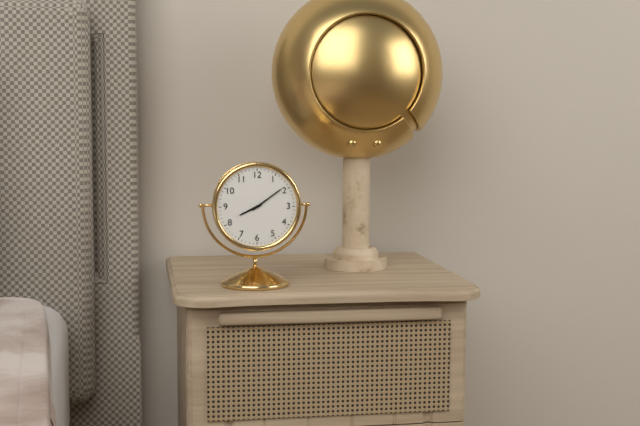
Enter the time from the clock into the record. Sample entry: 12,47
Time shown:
8,09
